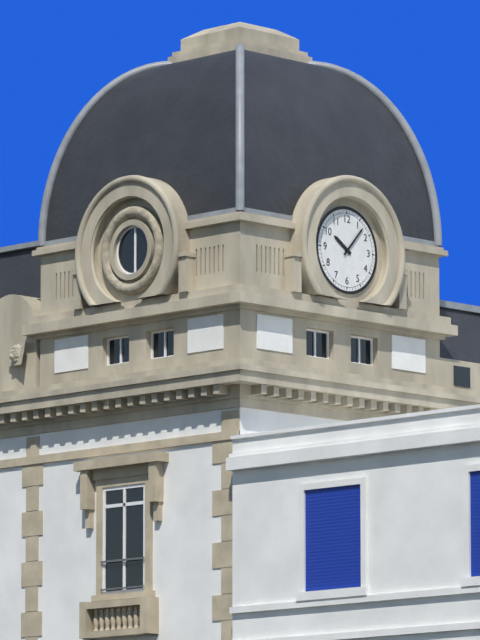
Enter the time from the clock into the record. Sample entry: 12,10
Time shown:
10,07
